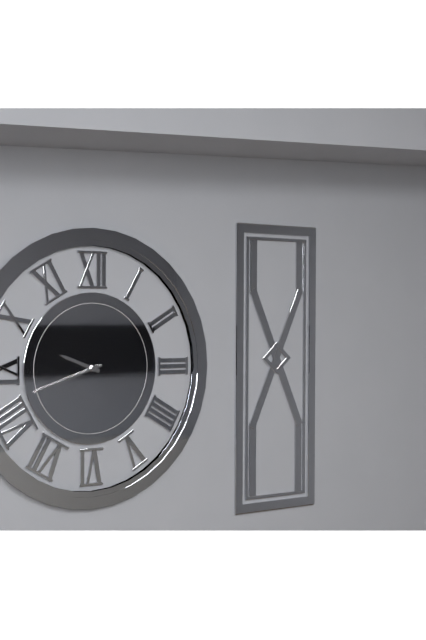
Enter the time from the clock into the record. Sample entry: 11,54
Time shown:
9,42
